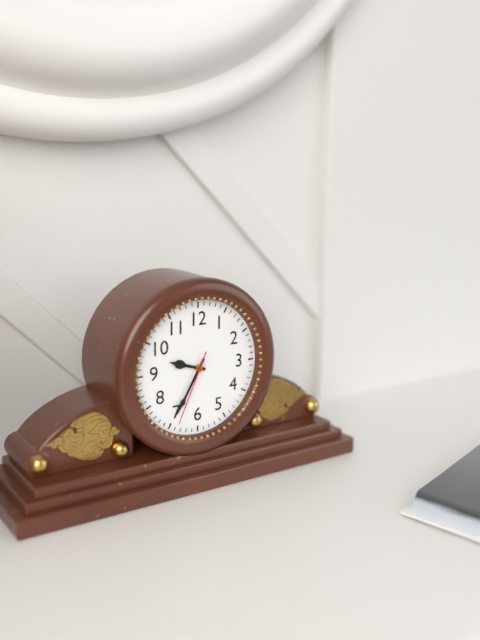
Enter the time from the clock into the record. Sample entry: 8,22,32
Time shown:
9,35,34
